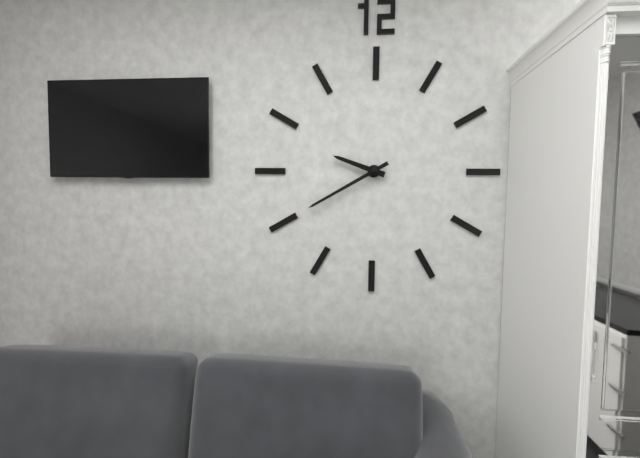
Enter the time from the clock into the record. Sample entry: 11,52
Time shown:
9,40
